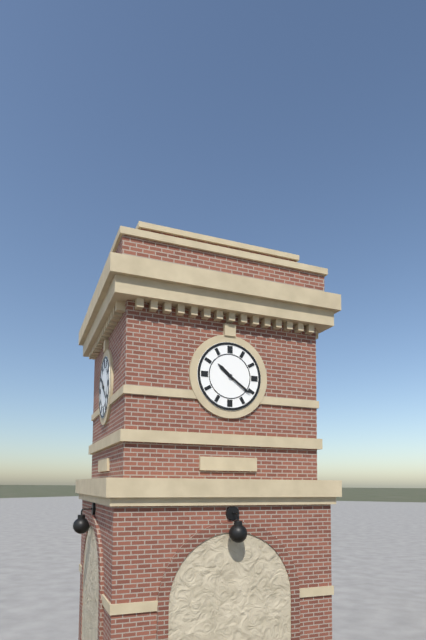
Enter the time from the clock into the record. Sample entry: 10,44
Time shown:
10,21
